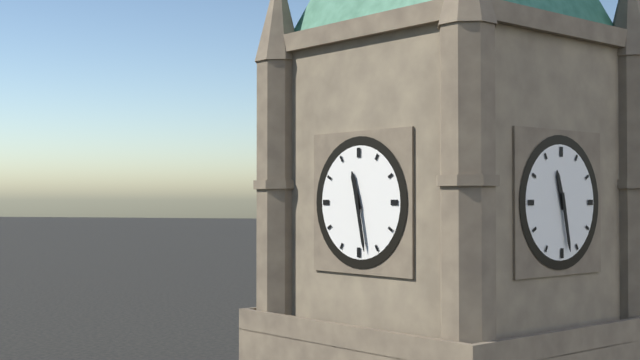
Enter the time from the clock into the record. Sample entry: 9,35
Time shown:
11,28
